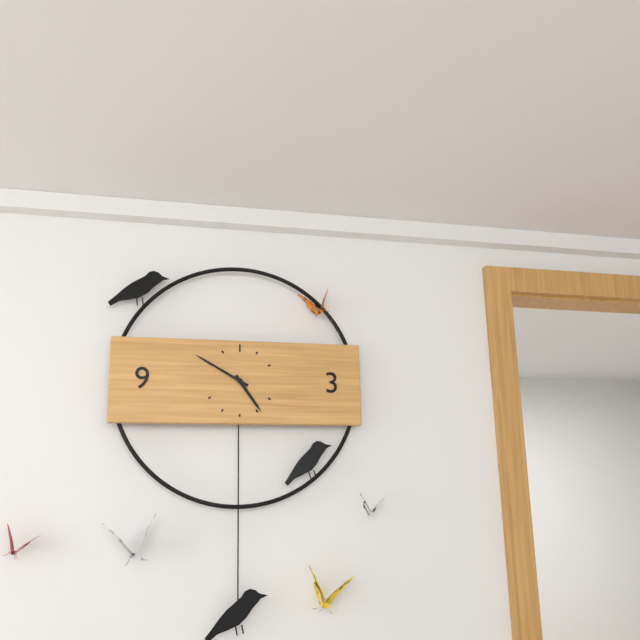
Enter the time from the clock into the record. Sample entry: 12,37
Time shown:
4,50
